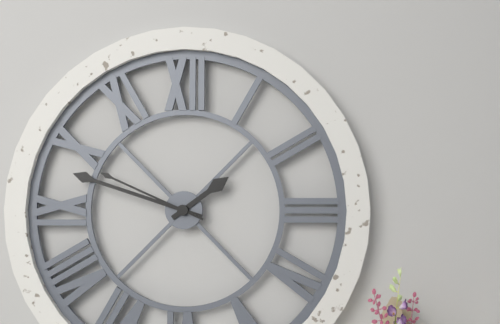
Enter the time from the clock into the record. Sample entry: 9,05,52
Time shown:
1,48,49
